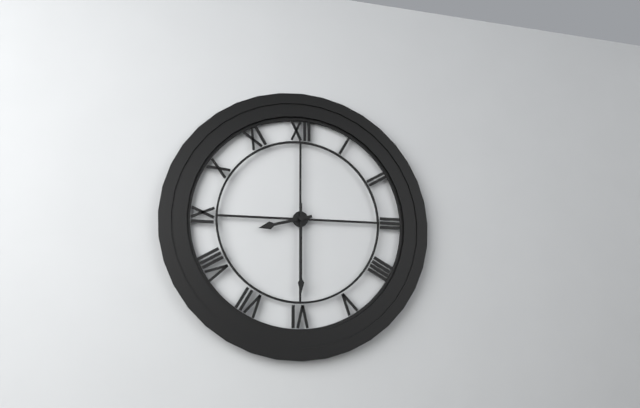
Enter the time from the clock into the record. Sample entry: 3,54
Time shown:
8,30
